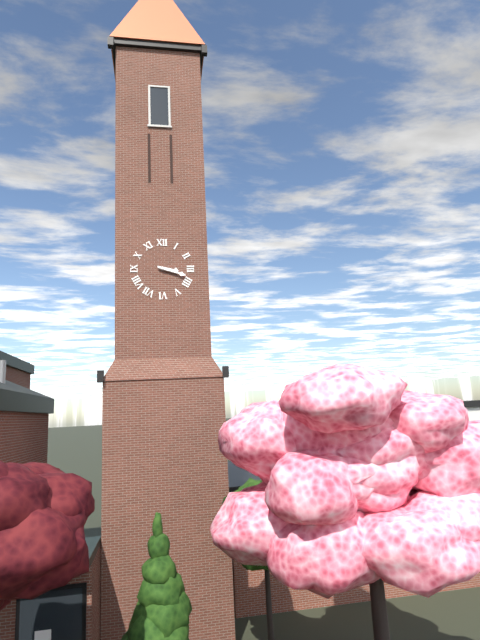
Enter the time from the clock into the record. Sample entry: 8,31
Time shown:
3,18
